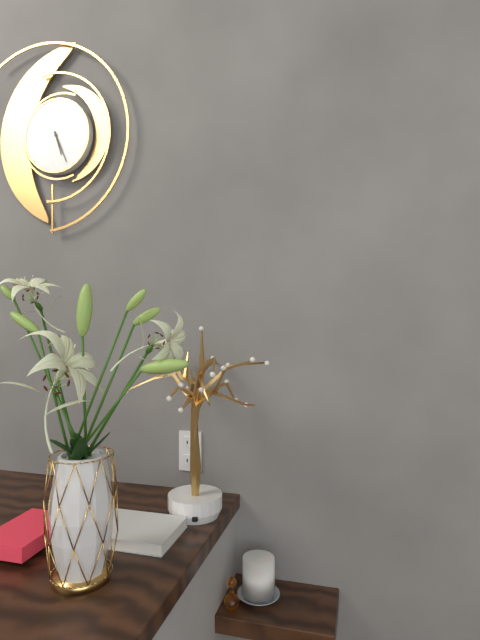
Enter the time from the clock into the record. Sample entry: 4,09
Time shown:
5,26
